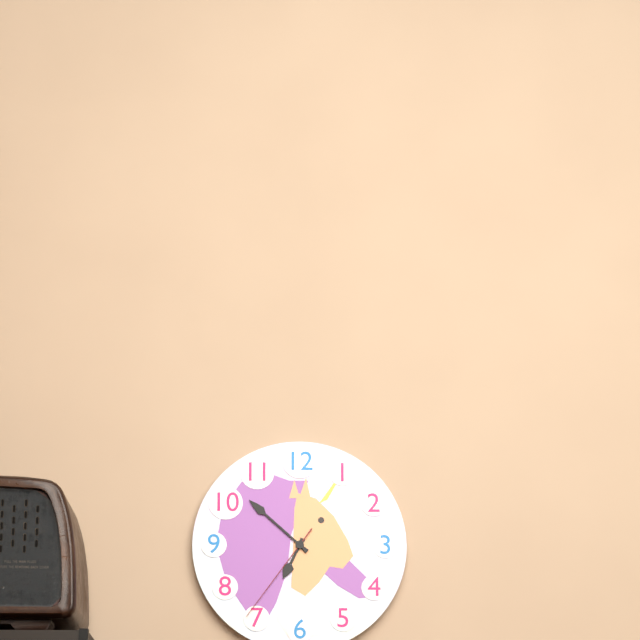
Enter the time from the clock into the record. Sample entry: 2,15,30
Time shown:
6,52,36
